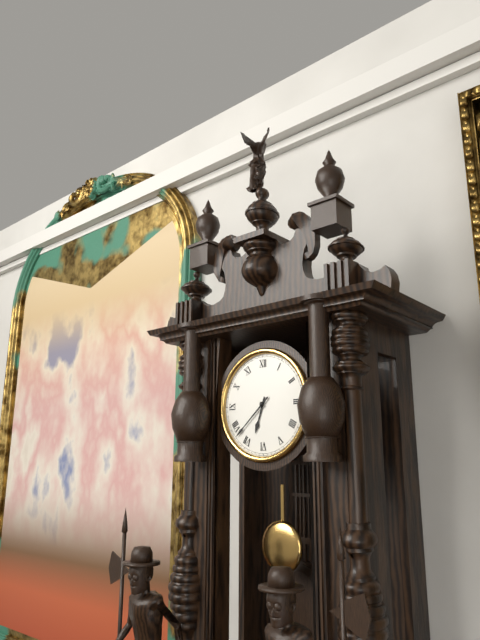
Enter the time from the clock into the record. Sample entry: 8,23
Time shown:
6,38
